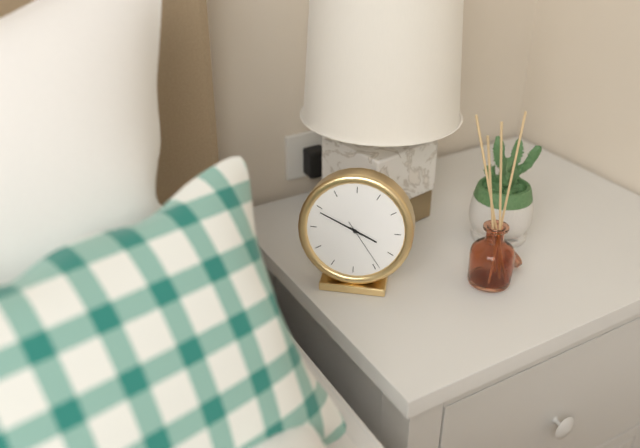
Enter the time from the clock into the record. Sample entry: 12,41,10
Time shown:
3,49,24
